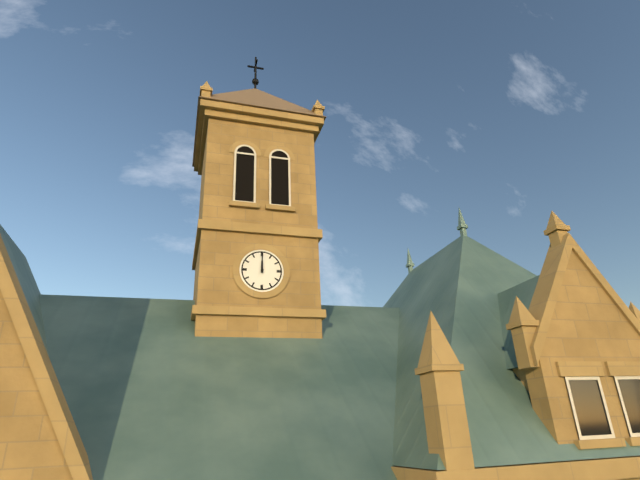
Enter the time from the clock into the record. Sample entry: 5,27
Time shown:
12,00
